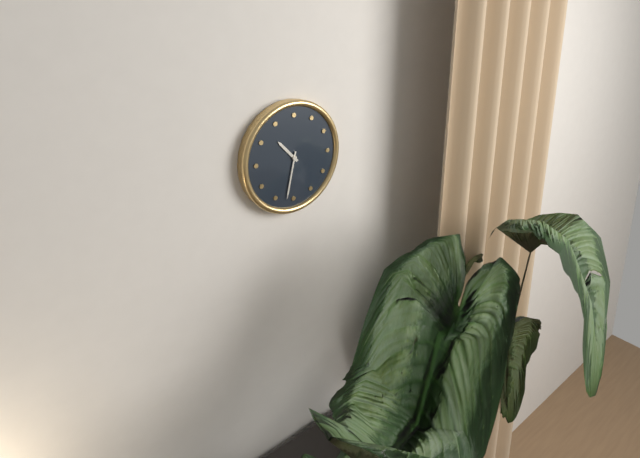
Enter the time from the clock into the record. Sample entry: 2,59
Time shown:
10,32
